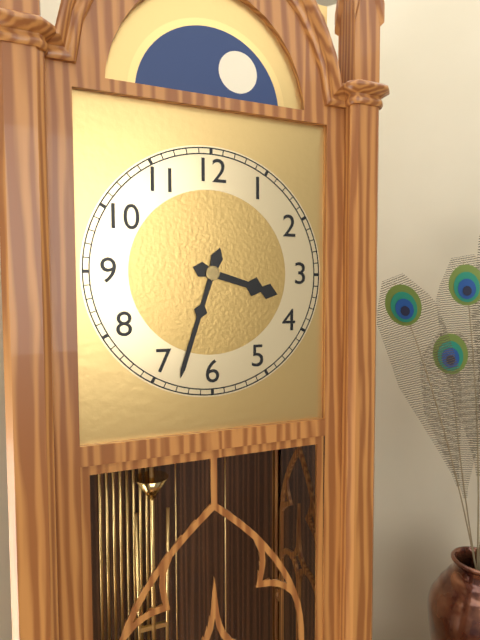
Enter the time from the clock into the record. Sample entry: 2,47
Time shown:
3,33
